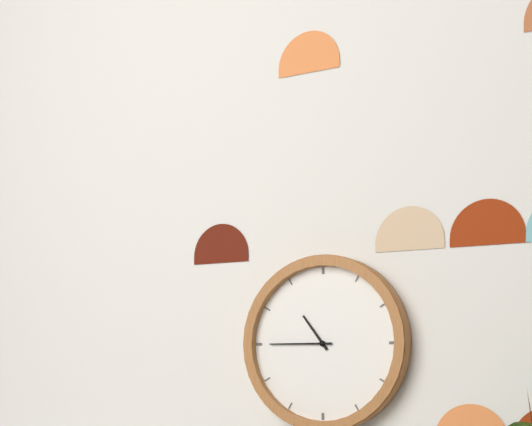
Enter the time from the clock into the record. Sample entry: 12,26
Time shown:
10,45
